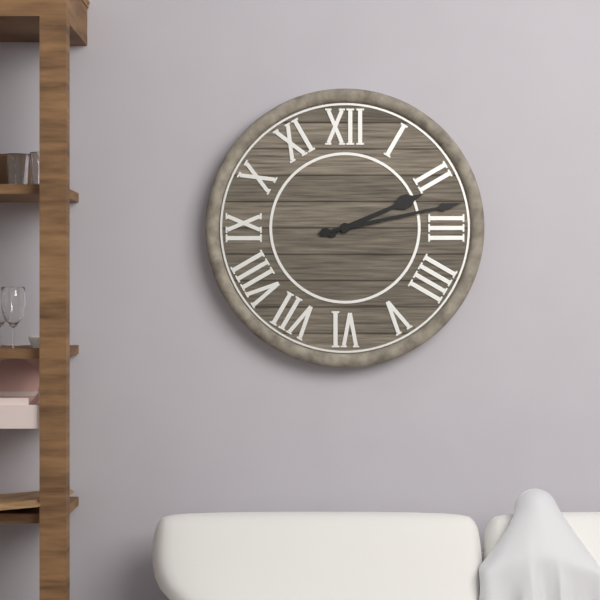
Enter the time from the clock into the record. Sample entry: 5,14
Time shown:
2,13
